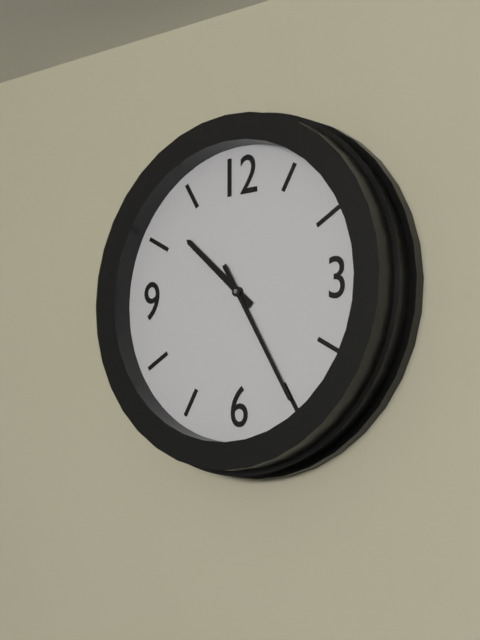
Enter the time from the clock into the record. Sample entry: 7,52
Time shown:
10,25
